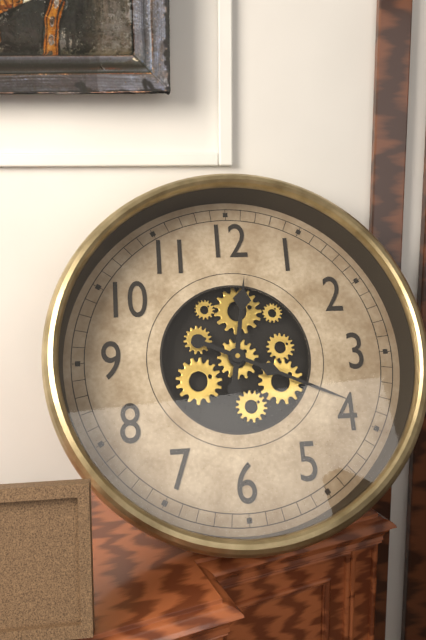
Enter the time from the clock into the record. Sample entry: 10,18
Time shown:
12,19
